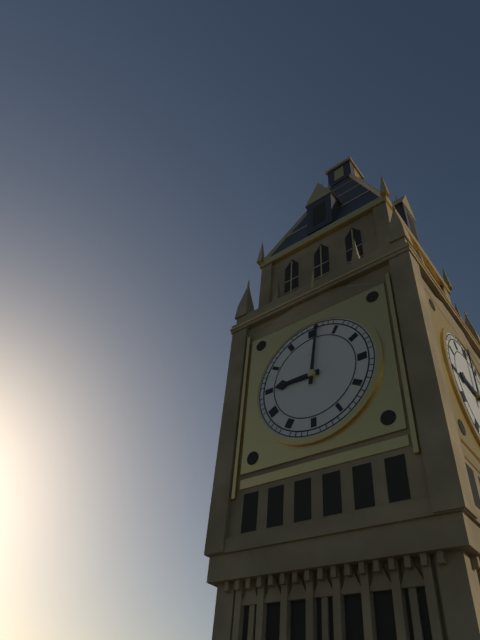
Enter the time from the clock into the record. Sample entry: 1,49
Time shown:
9,01
